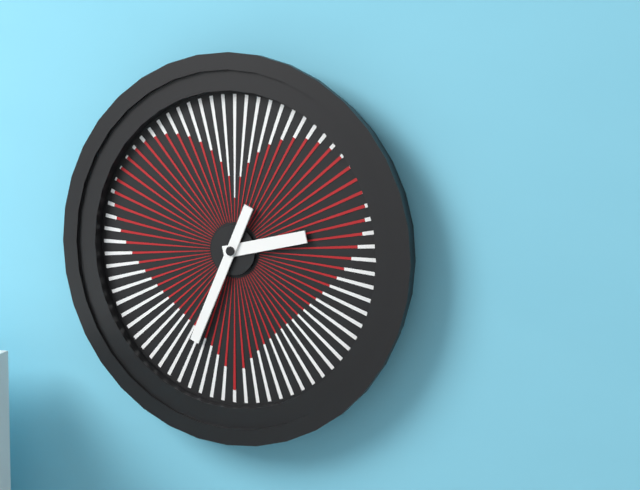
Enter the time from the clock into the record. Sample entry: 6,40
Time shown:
2,34
